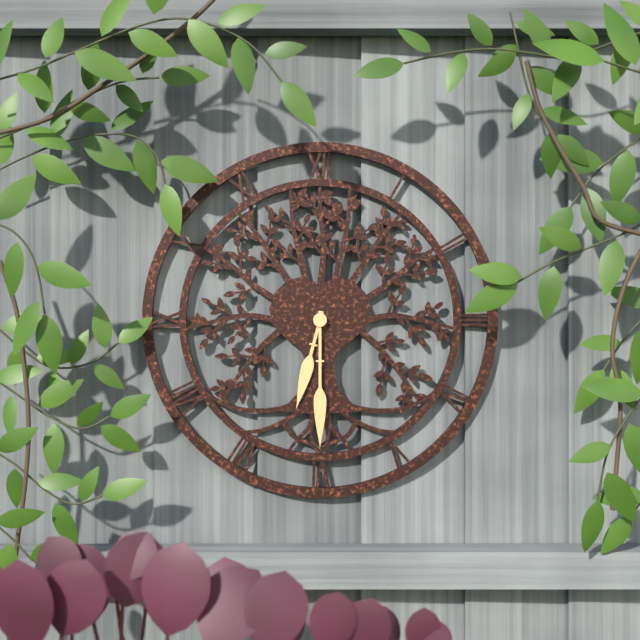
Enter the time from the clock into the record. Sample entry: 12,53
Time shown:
6,30
